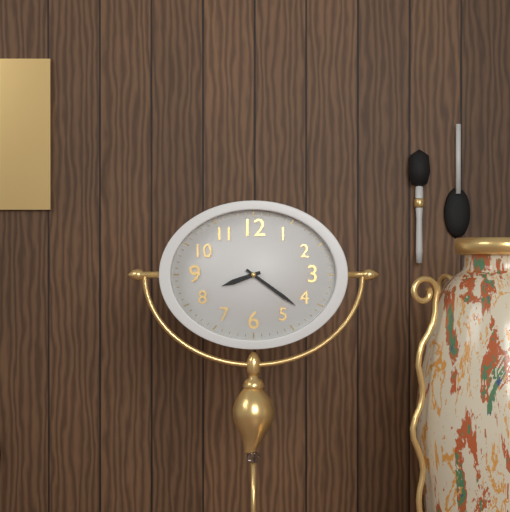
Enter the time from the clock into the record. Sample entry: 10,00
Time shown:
8,21
